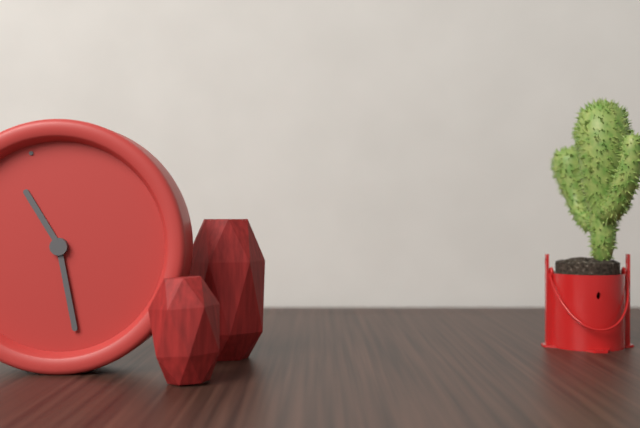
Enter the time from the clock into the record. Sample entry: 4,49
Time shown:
11,31
